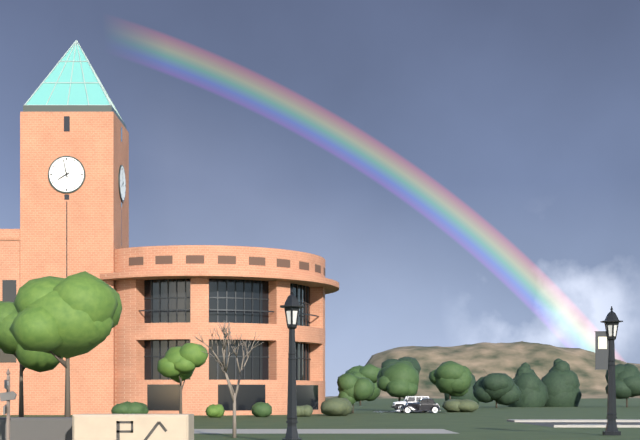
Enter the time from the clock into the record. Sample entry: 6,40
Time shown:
7,58
